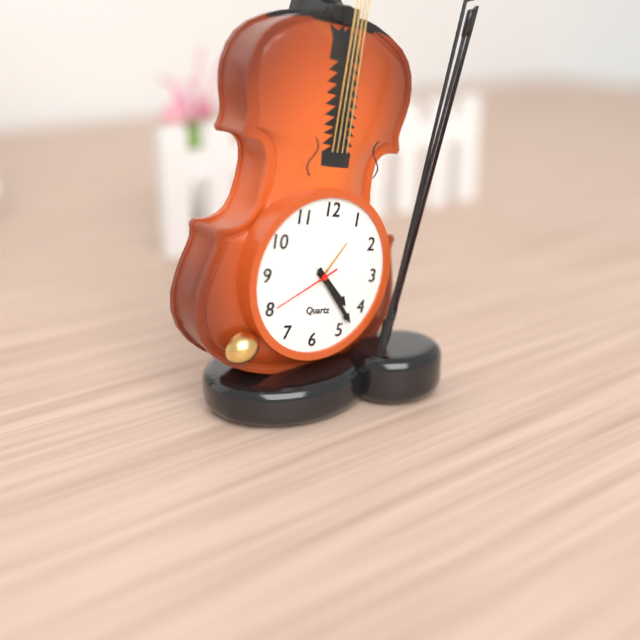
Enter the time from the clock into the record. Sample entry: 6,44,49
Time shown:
4,23,40
